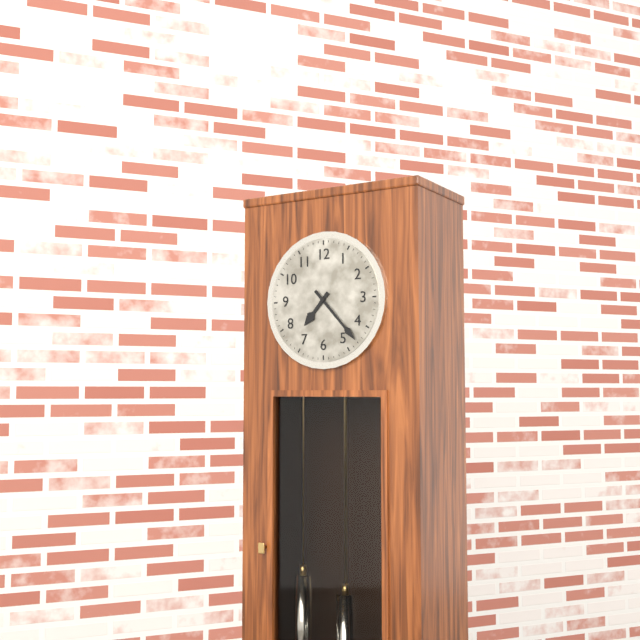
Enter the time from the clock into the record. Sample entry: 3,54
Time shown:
7,23
